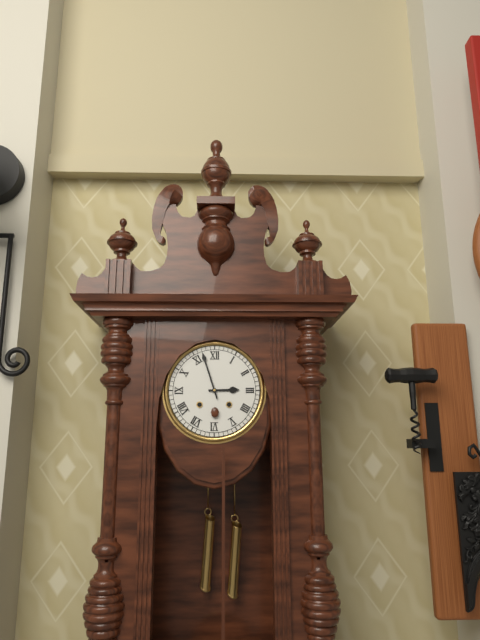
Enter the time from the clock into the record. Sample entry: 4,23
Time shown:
2,57
